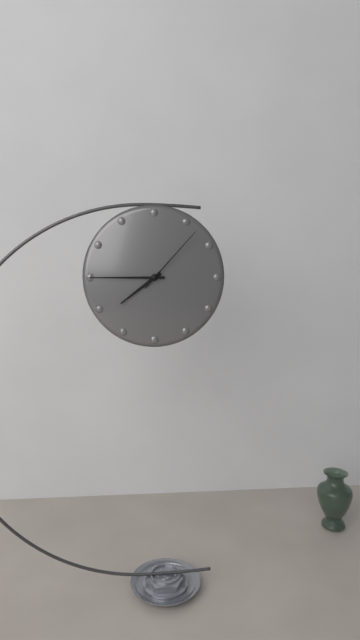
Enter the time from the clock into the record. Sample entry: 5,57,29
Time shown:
7,45,07
